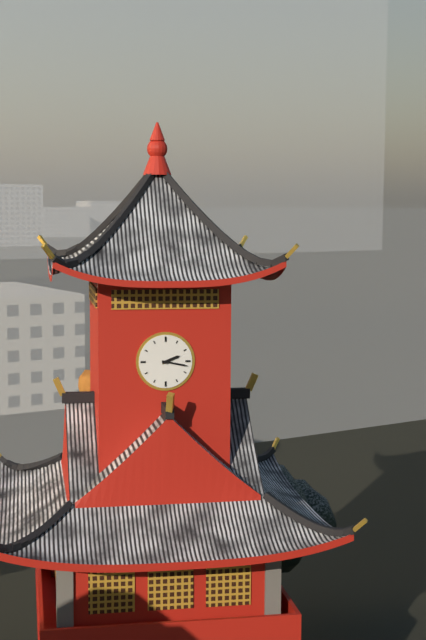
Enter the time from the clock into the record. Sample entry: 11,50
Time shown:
2,17
